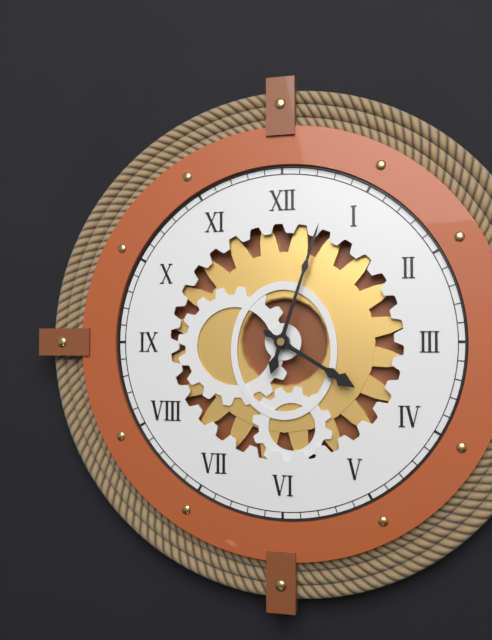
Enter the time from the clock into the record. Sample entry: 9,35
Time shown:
4,03
